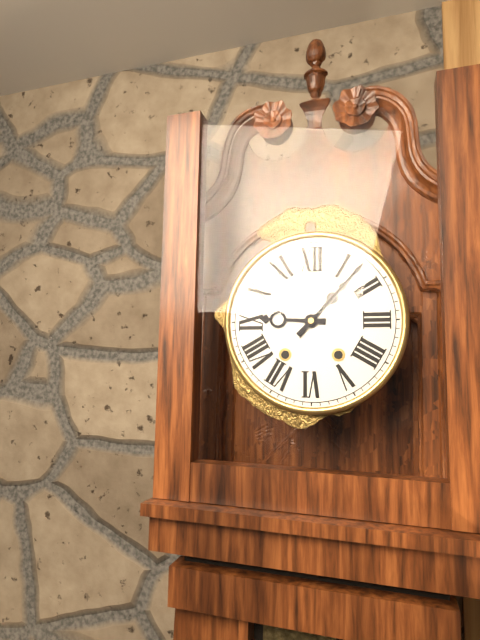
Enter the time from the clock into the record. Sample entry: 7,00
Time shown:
9,07
